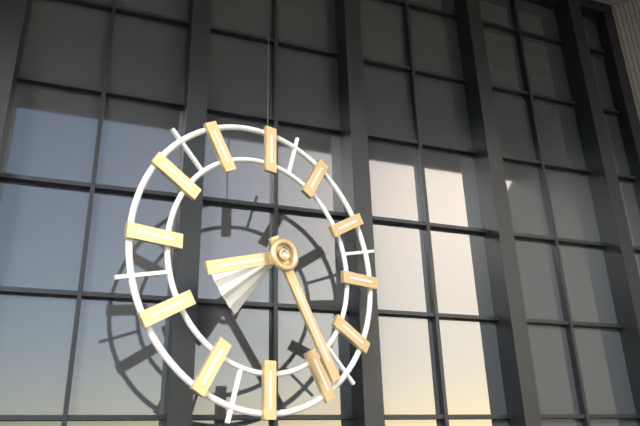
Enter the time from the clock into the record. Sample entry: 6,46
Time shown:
8,25
